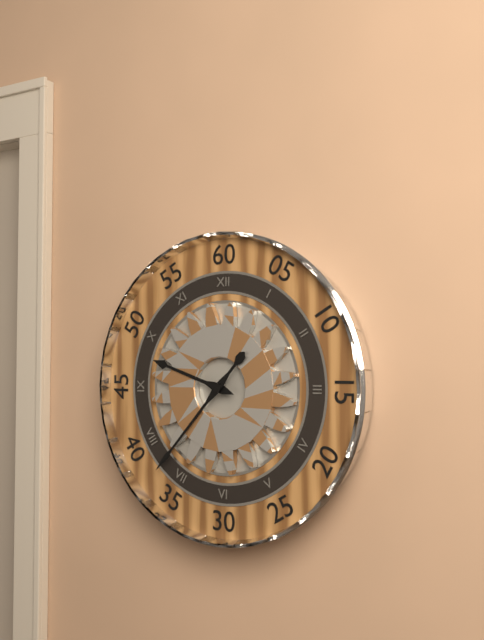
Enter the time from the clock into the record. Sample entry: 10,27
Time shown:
9,37
